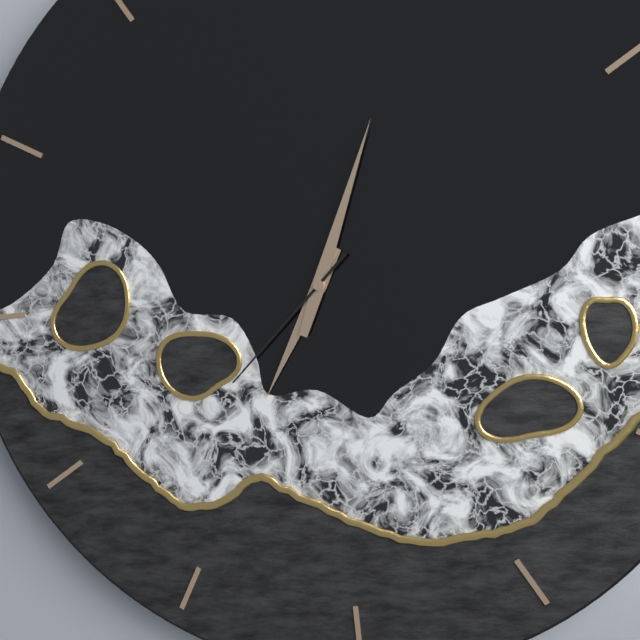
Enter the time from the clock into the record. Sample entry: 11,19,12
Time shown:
7,04,38
